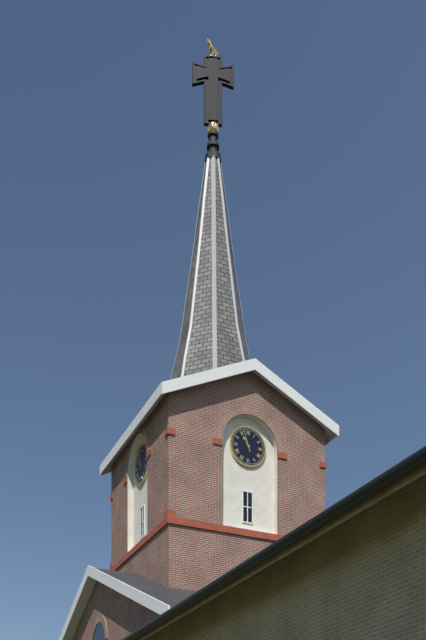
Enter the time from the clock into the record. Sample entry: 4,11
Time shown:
10,57
